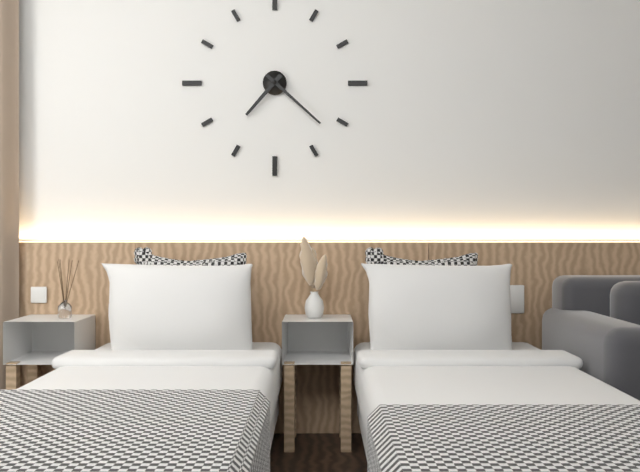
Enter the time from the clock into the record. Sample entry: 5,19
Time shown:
7,22
